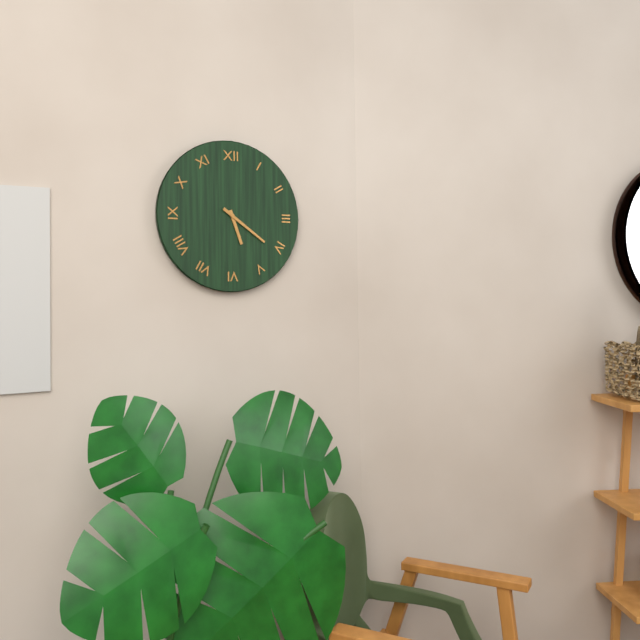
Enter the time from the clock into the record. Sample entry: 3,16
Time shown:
5,21
